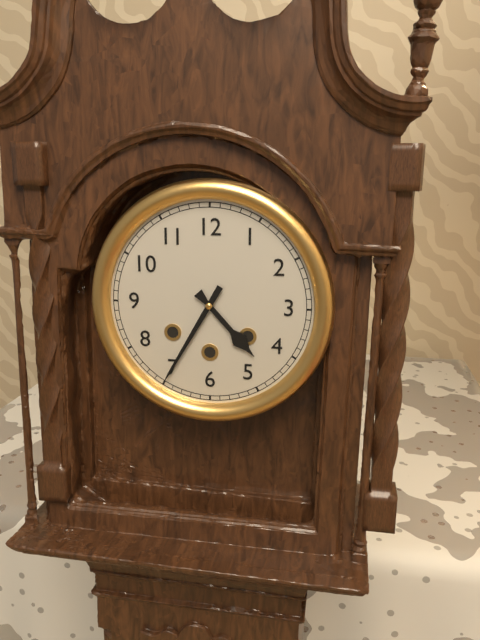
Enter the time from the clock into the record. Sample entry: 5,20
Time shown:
4,35
